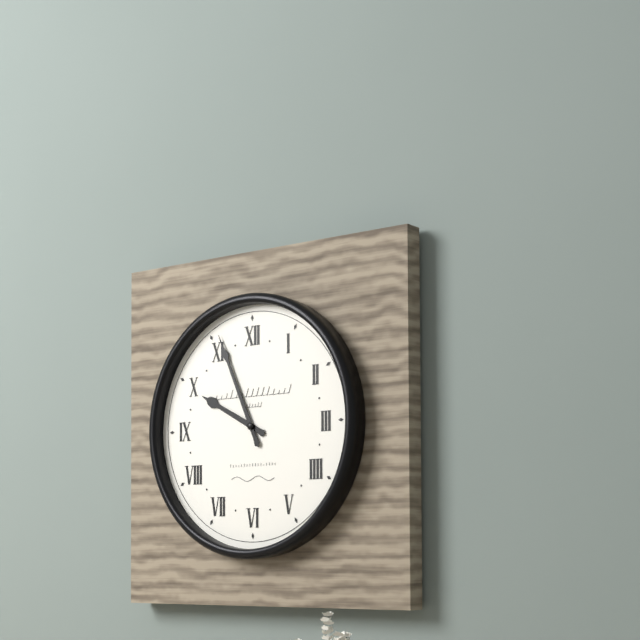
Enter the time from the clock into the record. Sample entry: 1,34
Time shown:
9,56
